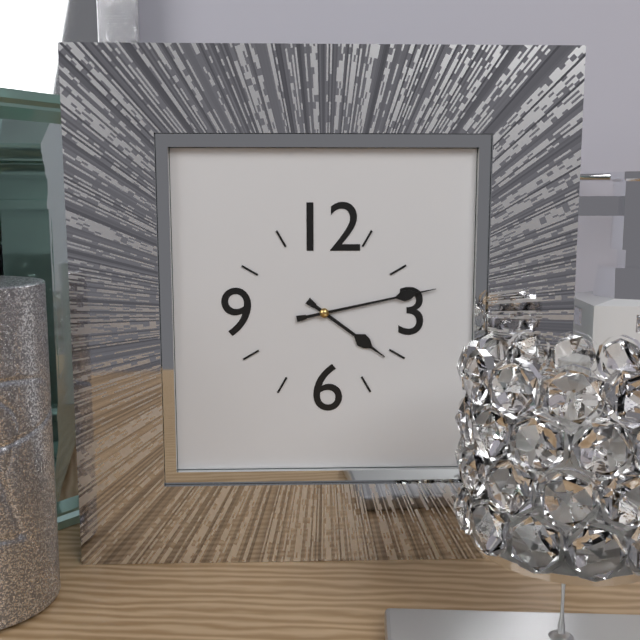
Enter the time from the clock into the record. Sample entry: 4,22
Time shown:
4,13
